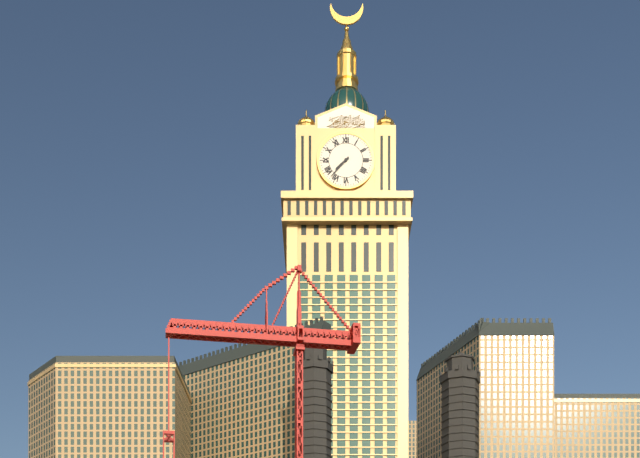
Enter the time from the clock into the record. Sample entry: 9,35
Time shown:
7,37
